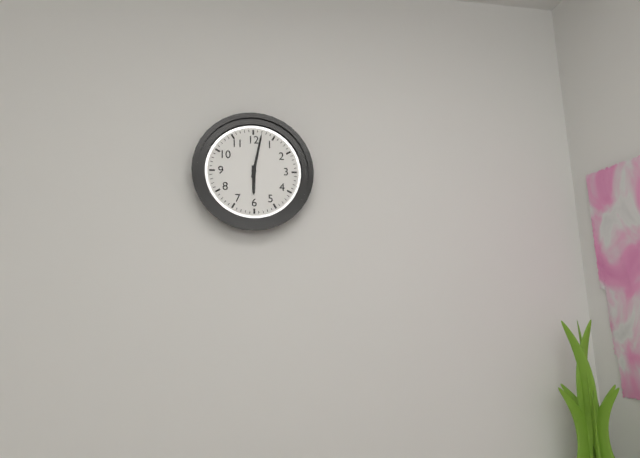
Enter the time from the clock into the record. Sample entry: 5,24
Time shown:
6,02
